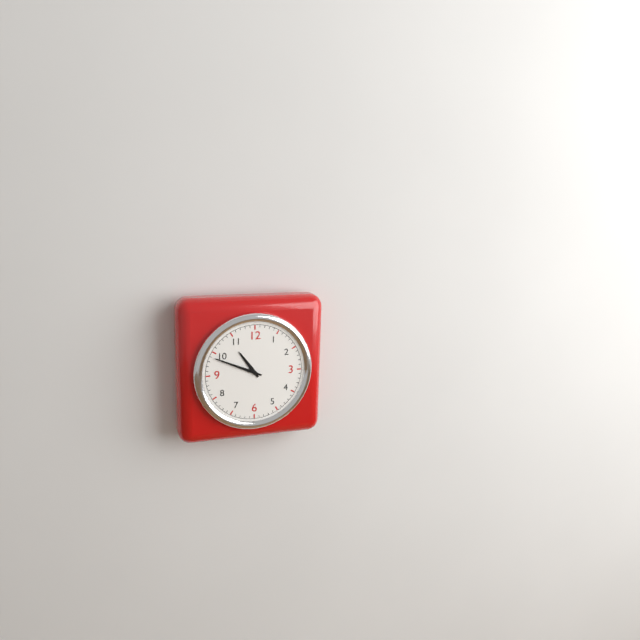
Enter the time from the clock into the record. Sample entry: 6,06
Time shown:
10,49
